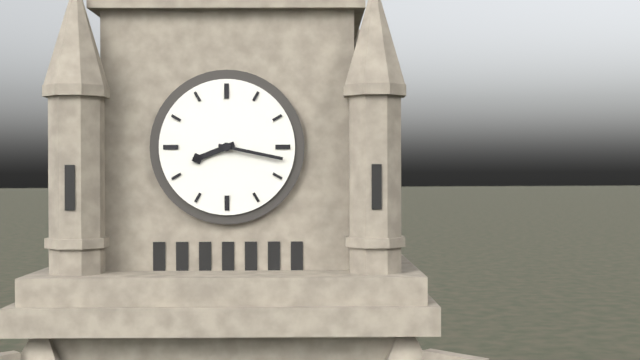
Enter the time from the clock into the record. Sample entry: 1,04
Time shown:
8,17
